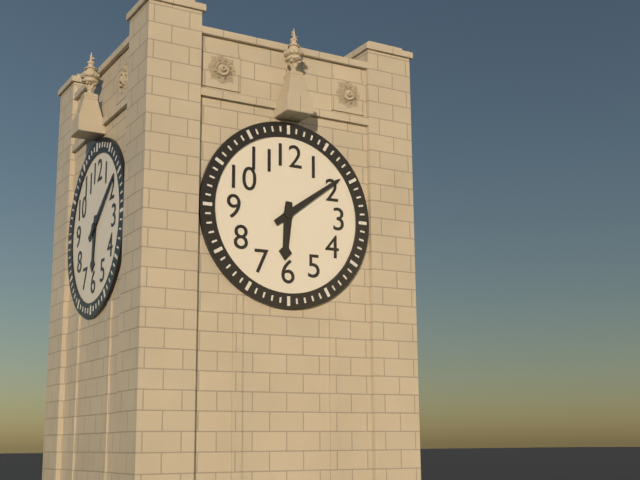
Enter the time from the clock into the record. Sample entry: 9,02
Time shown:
6,09
